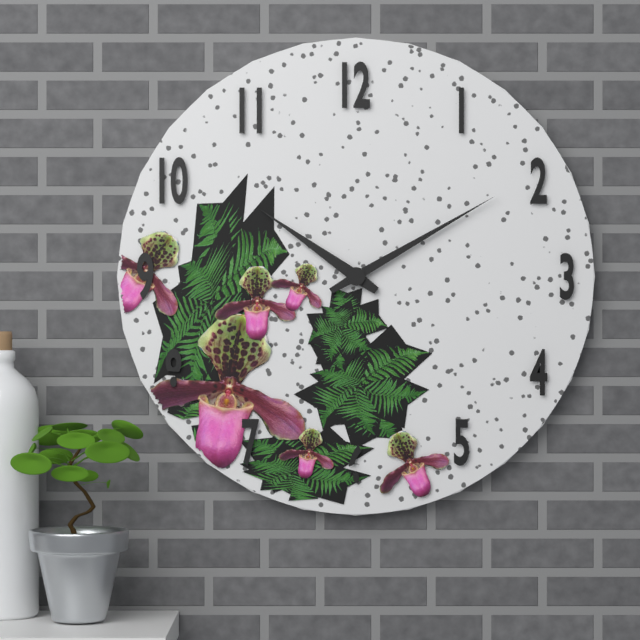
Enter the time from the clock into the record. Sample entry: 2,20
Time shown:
10,10
